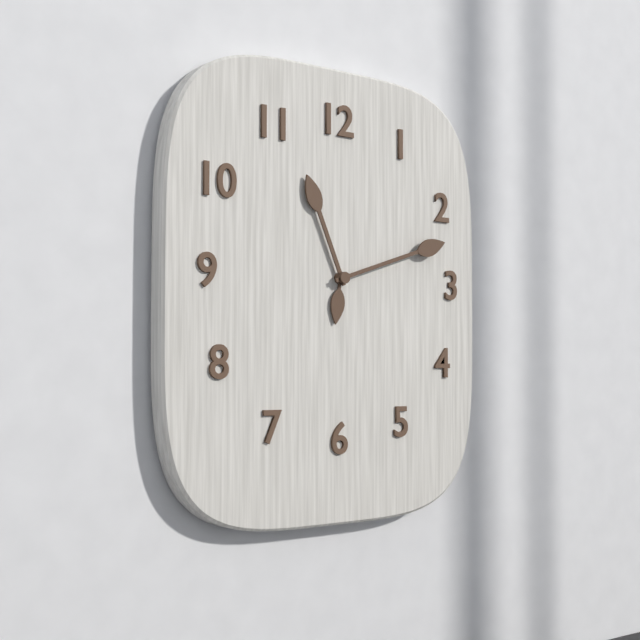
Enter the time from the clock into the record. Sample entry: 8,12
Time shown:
11,12
